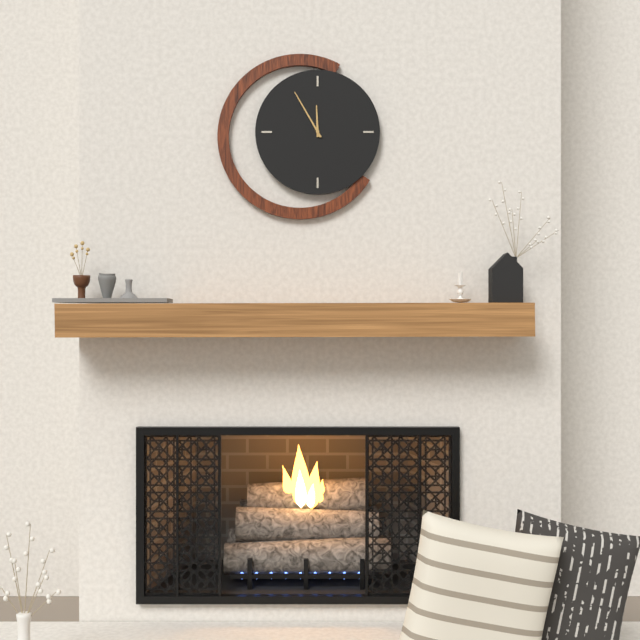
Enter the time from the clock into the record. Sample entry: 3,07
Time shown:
11,55
